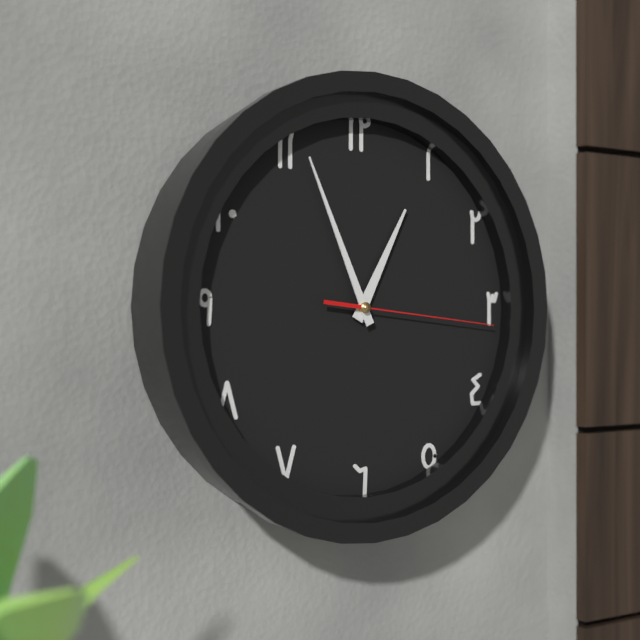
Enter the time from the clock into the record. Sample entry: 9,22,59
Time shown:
12,56,16
